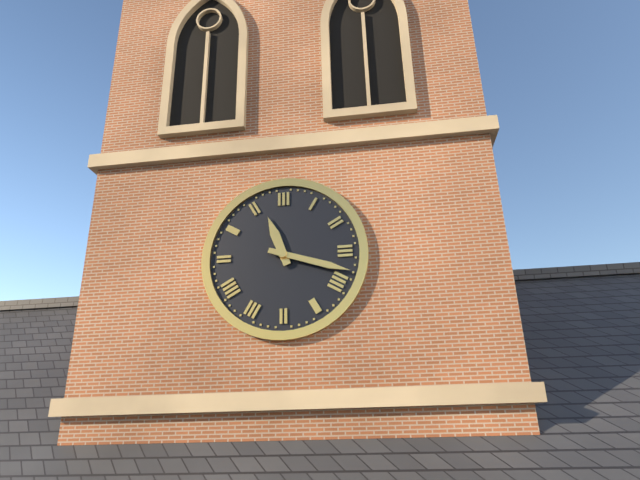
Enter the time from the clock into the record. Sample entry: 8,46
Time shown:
11,18
